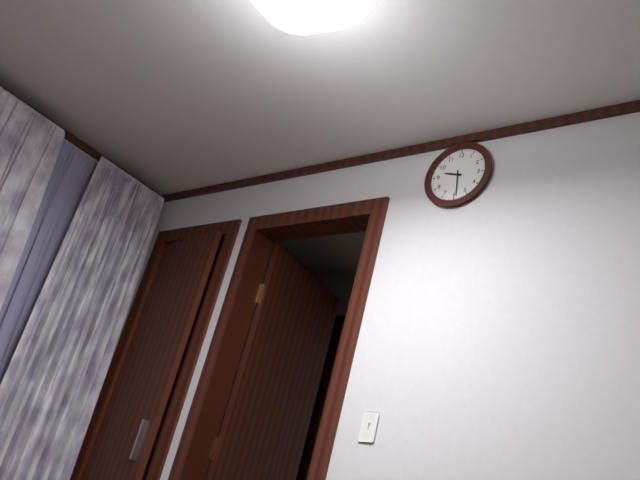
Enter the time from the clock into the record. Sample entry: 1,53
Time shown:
9,29
